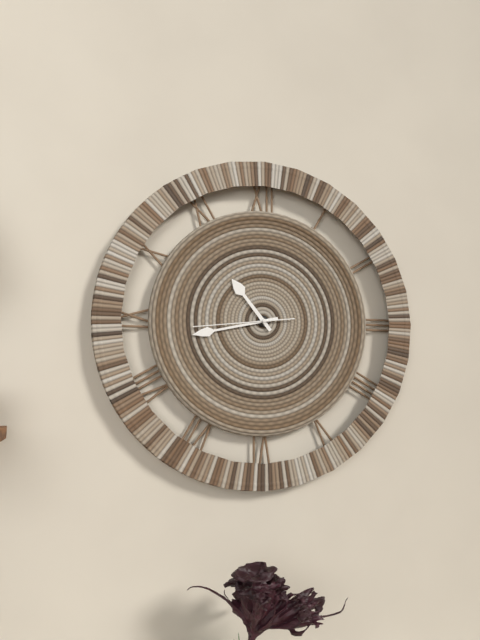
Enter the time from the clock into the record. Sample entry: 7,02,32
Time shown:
10,43,44
